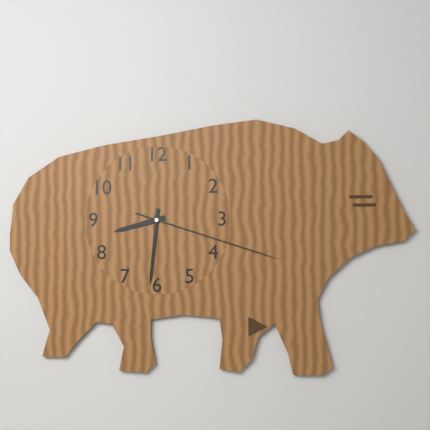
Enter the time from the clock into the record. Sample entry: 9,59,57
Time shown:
8,31,18
